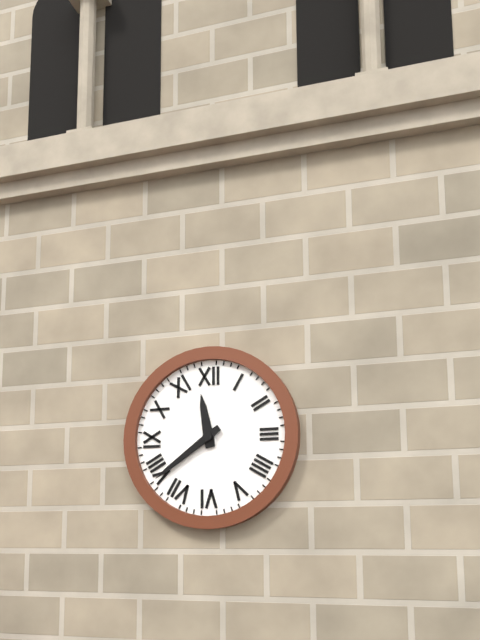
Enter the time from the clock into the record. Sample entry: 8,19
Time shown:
11,39
